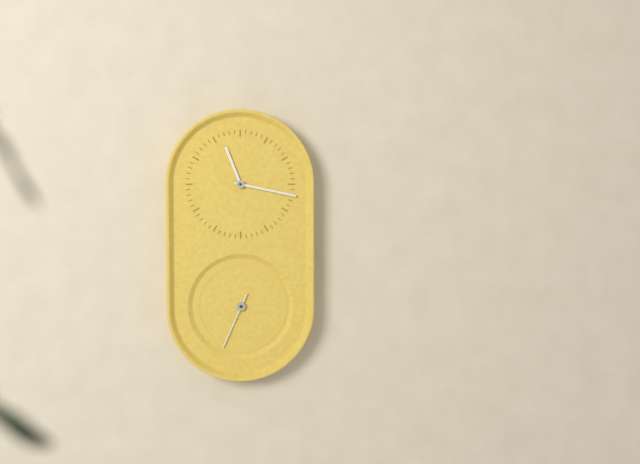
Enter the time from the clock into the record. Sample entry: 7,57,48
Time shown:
11,17,34
